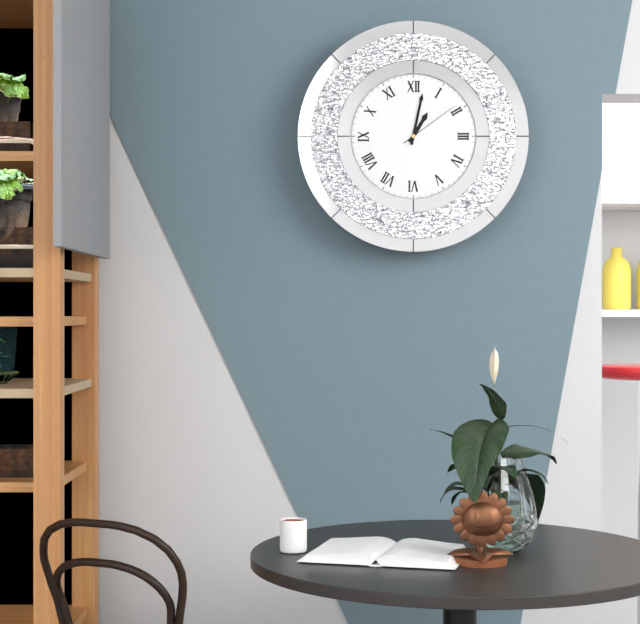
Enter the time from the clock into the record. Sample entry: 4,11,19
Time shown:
1,02,09
